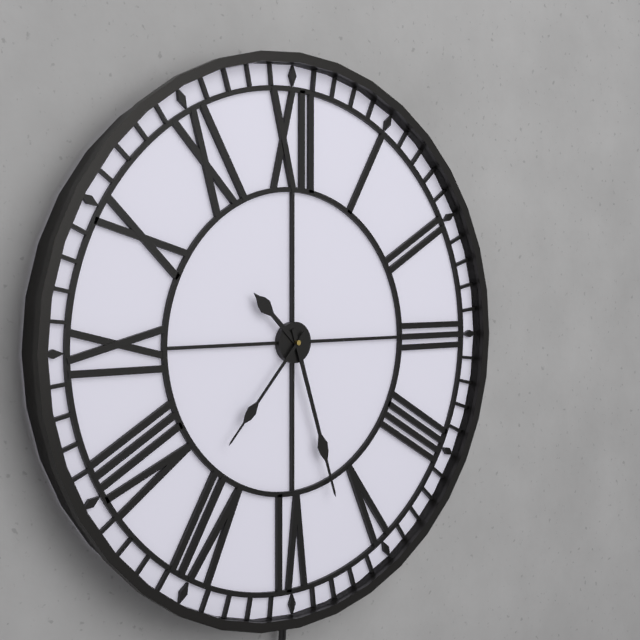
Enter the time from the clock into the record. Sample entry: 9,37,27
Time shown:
10,27,37
